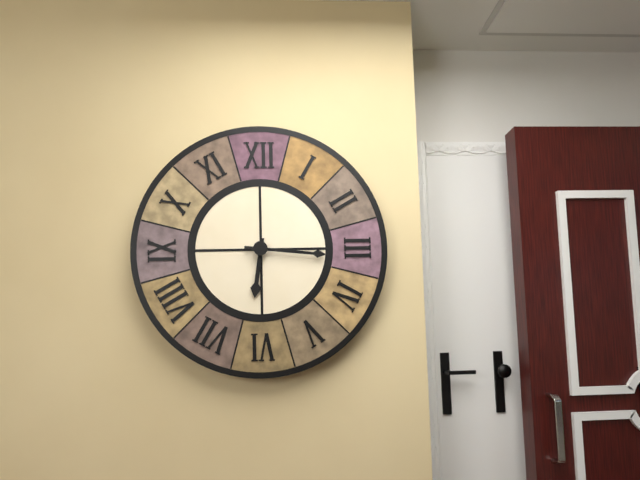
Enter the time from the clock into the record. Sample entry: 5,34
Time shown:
6,16
